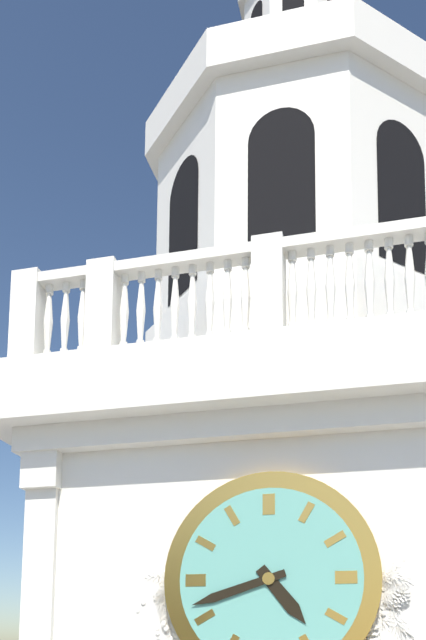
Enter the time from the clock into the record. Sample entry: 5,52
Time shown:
4,42
